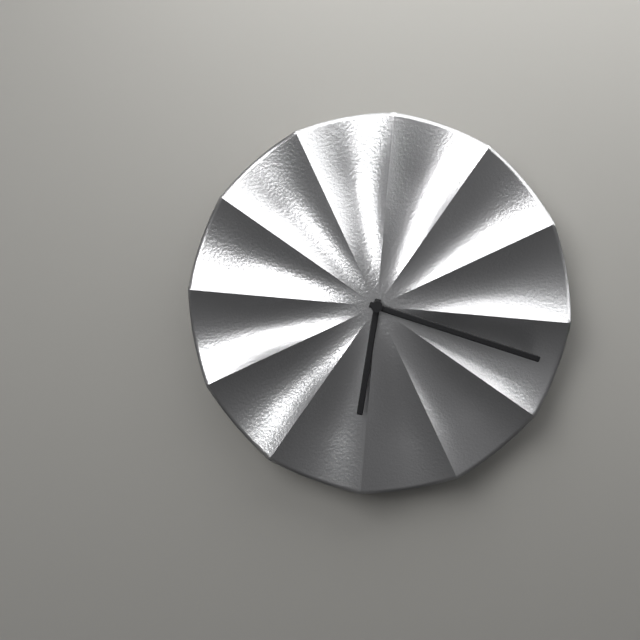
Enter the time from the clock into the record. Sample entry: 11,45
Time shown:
6,18
